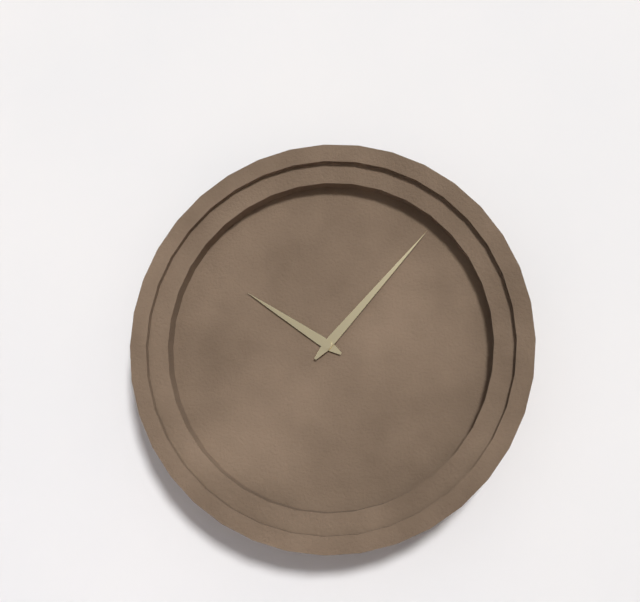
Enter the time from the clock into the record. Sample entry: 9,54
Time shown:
10,07
